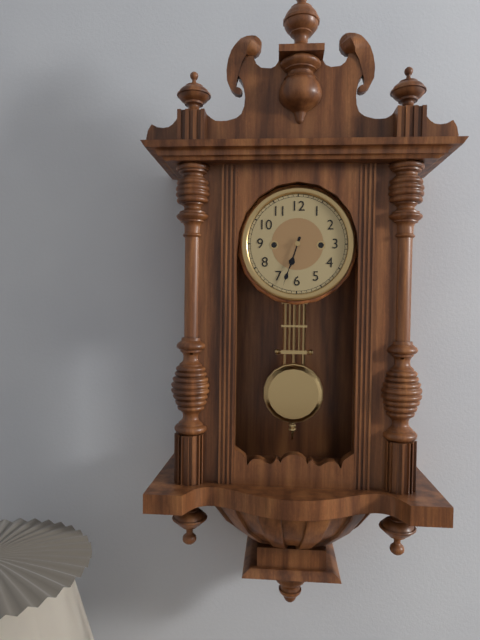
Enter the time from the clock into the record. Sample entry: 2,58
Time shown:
6,33
